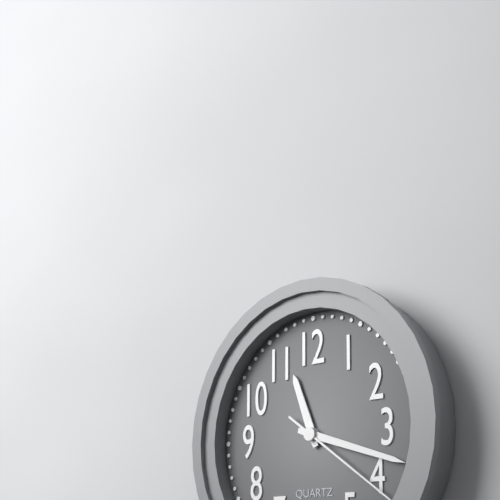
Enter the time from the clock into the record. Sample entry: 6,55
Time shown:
11,18
